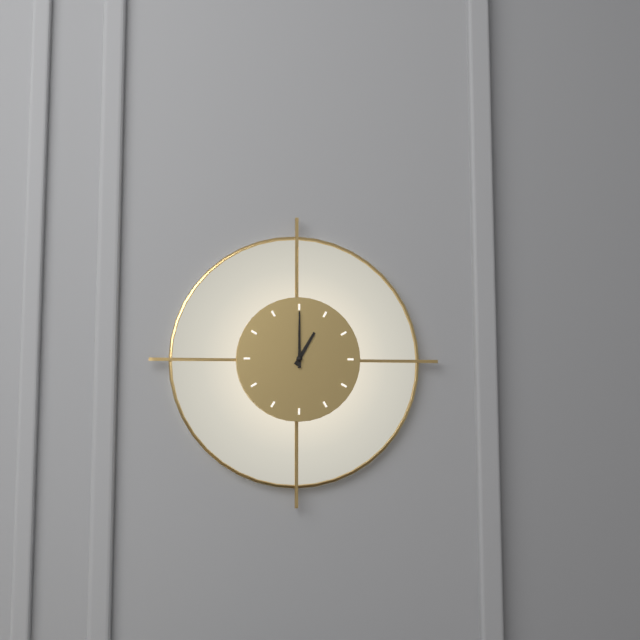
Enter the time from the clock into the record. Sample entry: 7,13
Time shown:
1,00
